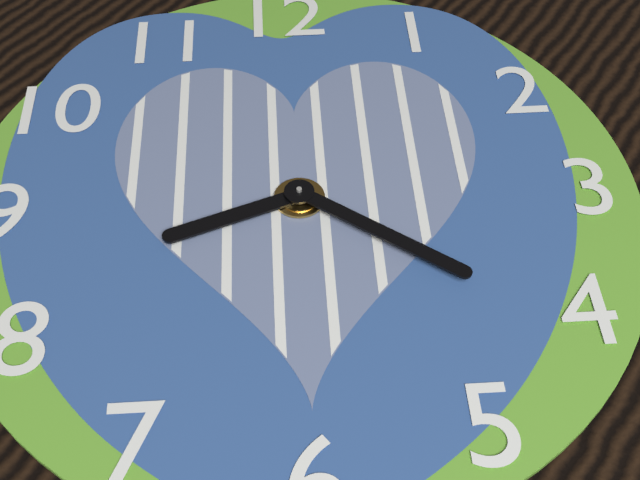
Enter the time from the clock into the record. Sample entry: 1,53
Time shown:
8,21
